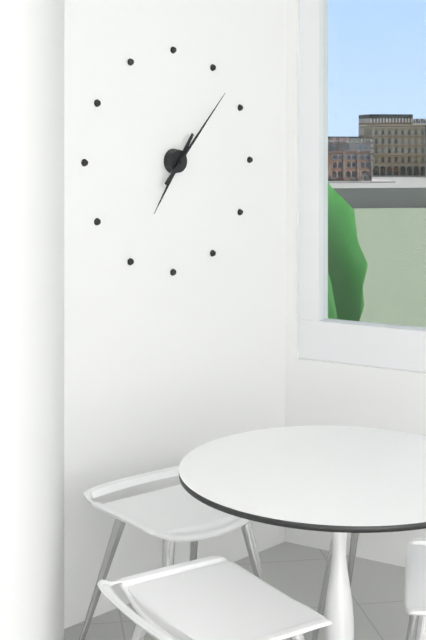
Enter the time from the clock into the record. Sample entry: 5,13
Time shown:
7,07
